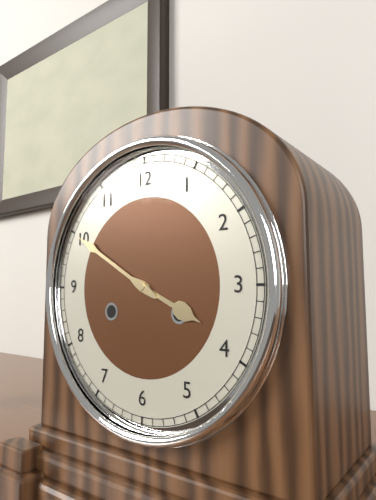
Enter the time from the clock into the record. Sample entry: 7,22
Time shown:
3,50
